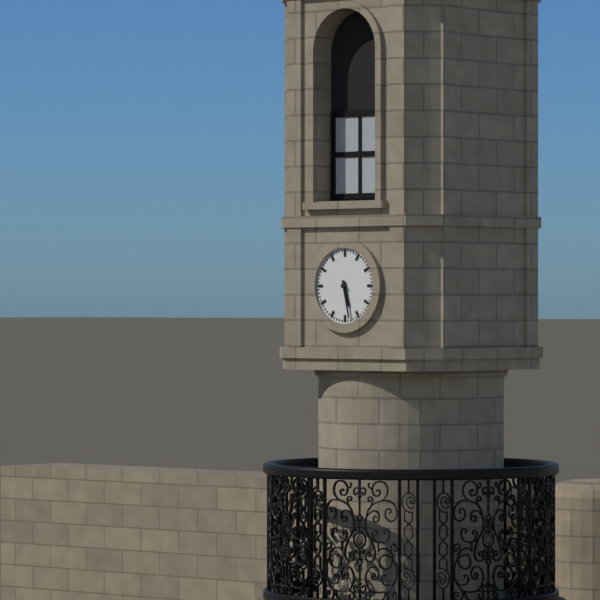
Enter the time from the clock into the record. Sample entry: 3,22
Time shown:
5,28
